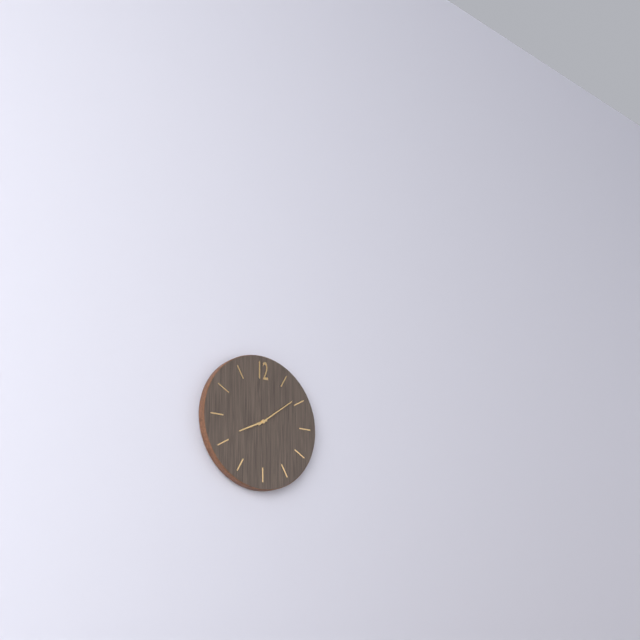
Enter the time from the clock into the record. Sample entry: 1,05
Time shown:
8,09
